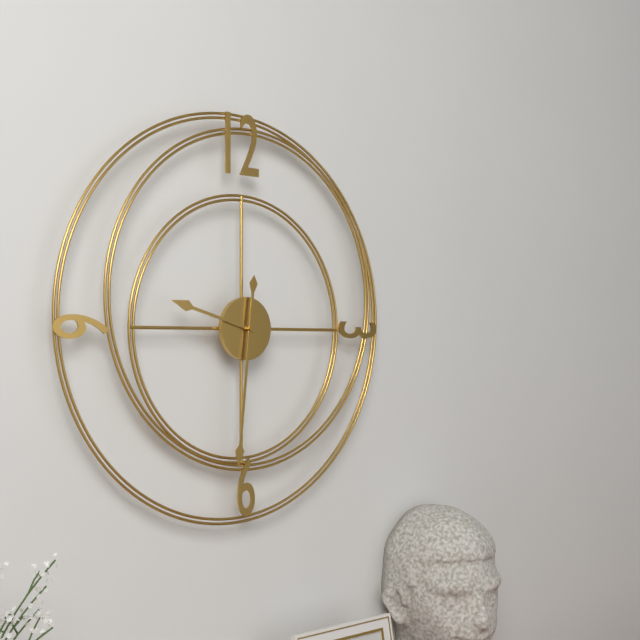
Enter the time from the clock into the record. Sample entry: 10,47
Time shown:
9,31
